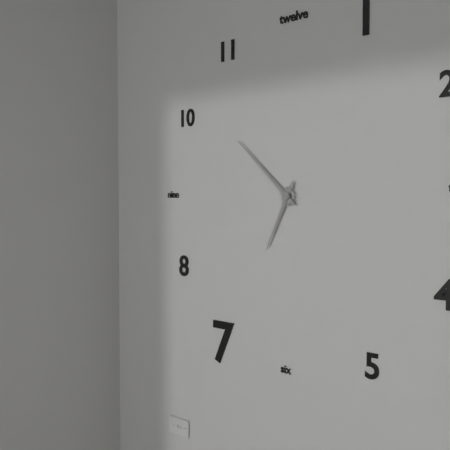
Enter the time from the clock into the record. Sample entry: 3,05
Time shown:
6,52
